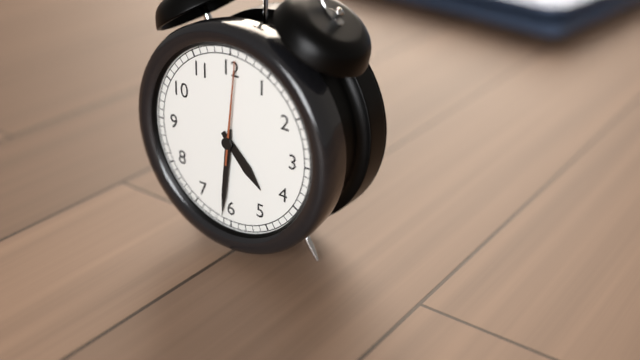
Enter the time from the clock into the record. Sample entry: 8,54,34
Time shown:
4,31,01
